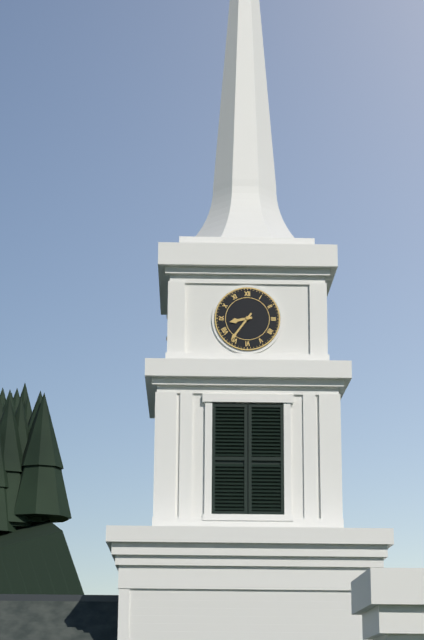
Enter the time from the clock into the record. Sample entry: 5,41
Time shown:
8,36
